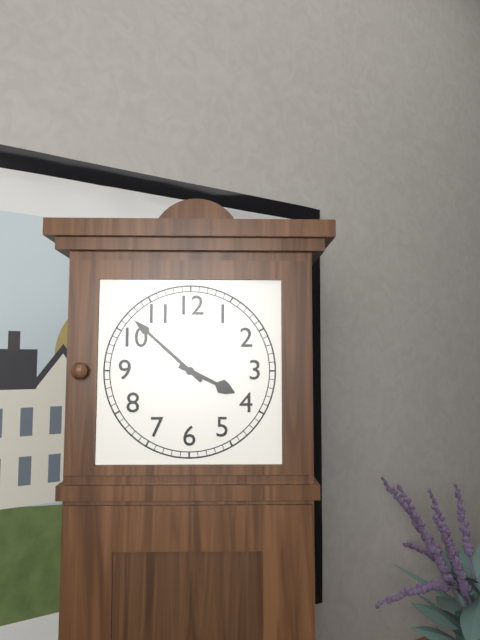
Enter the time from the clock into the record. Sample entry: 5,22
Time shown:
3,52
